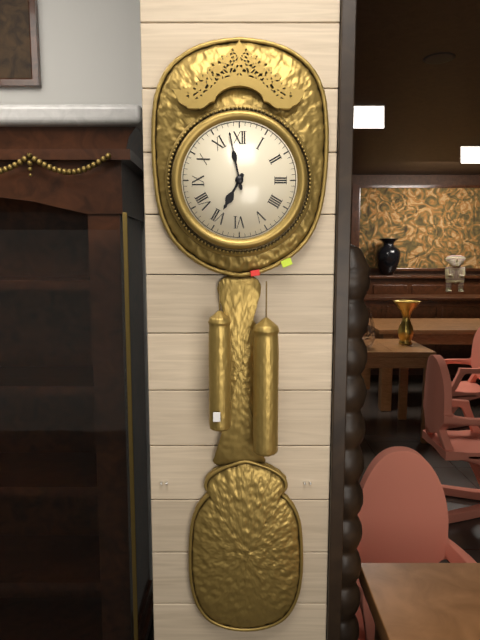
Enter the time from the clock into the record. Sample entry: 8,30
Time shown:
6,58
